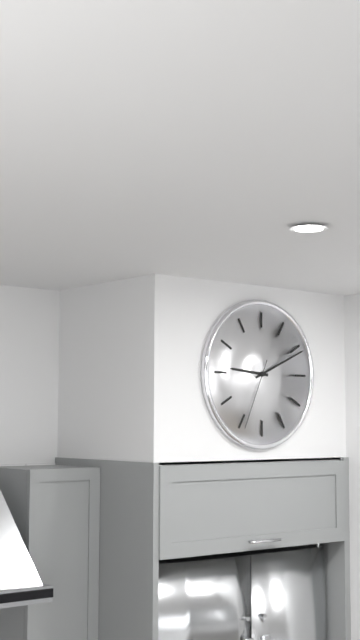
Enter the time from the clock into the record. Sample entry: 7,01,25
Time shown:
9,11,34
